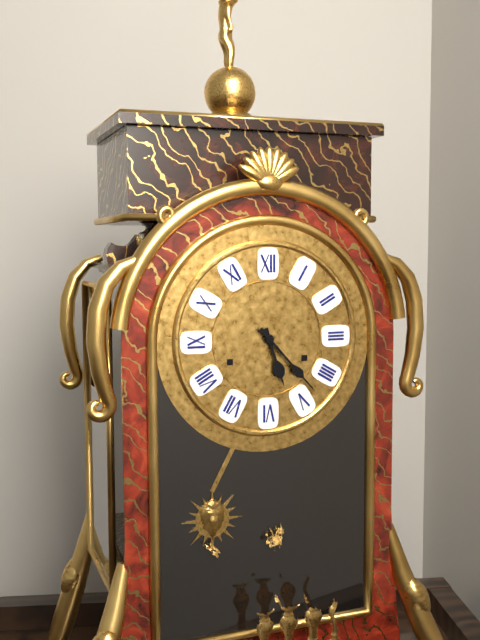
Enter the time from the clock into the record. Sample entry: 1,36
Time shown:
5,23
